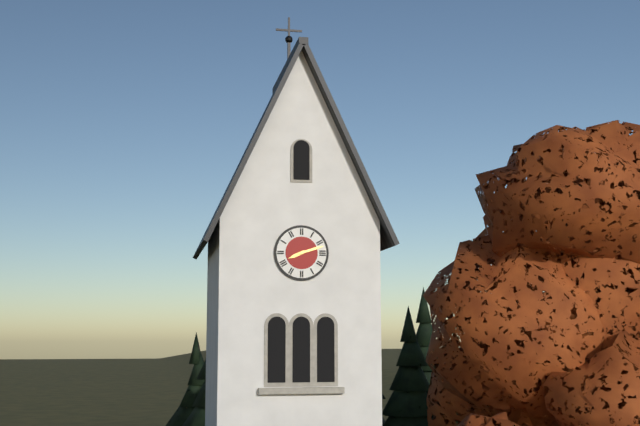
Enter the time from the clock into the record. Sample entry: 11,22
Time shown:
8,12
